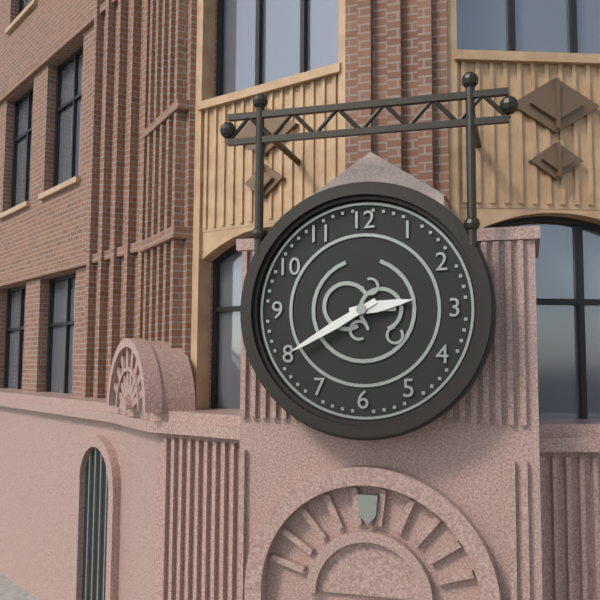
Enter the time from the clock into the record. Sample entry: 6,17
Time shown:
2,40
